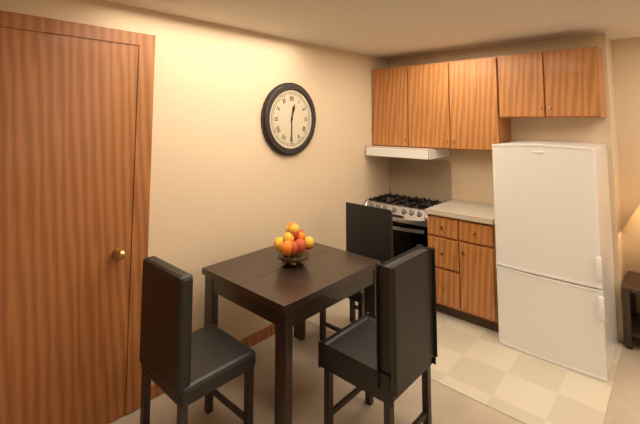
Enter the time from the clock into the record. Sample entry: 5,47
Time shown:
12,30
